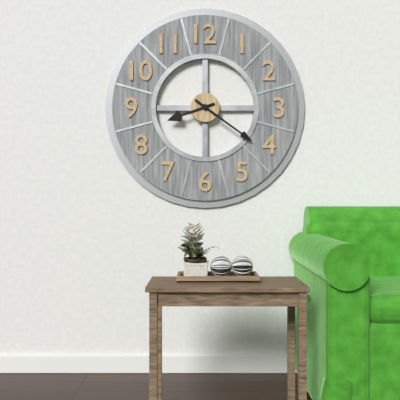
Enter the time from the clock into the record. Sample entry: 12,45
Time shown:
8,21
